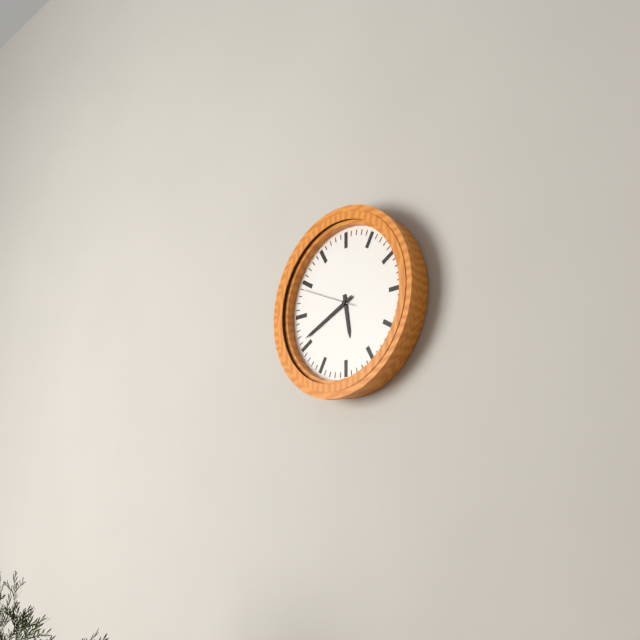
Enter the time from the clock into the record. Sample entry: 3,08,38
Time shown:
5,41,49
